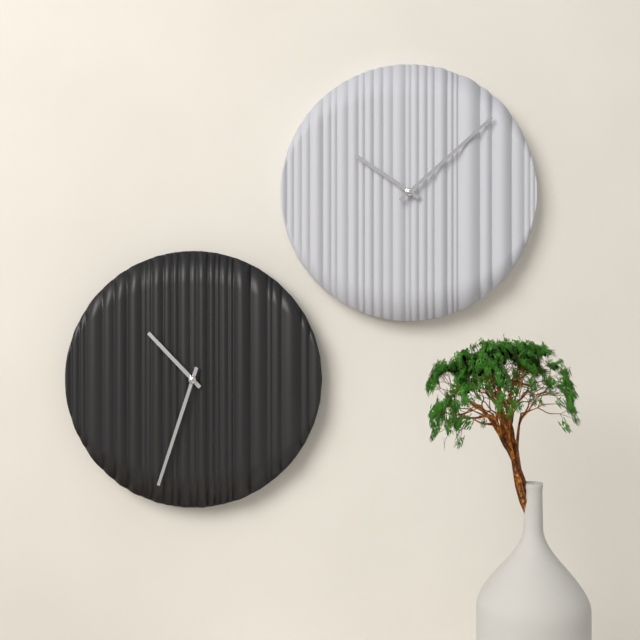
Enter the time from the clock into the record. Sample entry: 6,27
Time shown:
10,33
